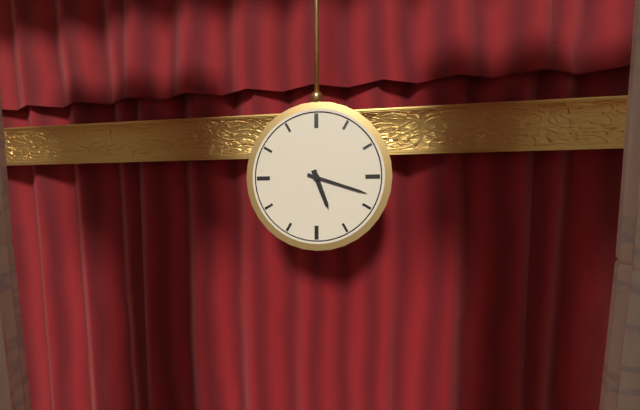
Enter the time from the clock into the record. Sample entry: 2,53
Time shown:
5,18
